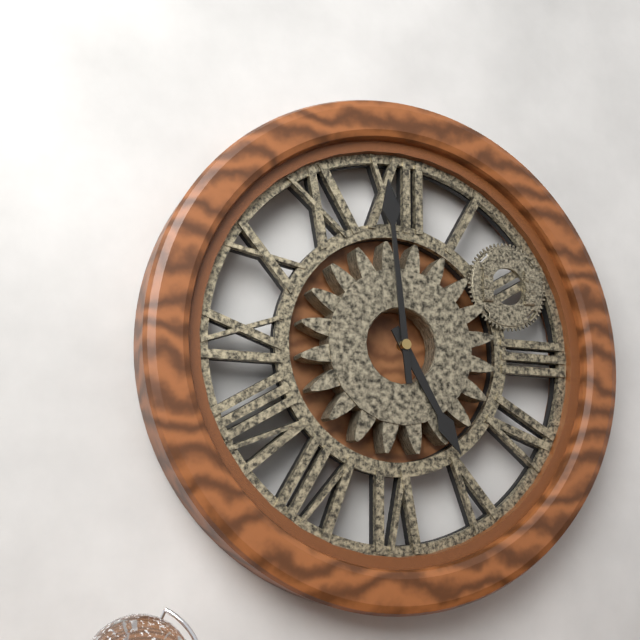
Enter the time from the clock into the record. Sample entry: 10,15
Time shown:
4,59
